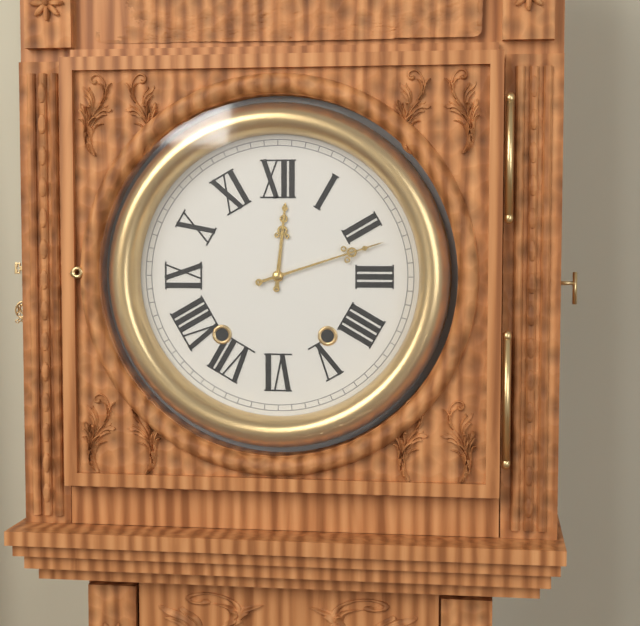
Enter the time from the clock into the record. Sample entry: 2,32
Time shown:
12,12
